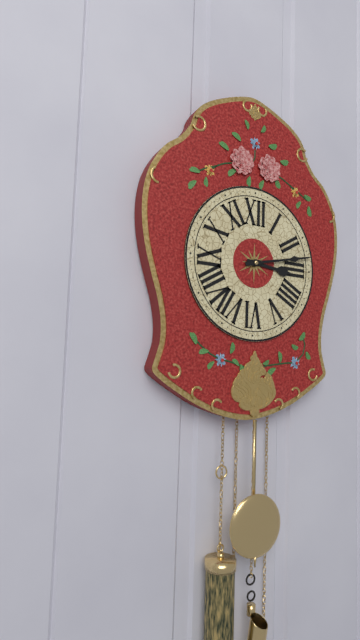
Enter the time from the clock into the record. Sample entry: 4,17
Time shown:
3,13
